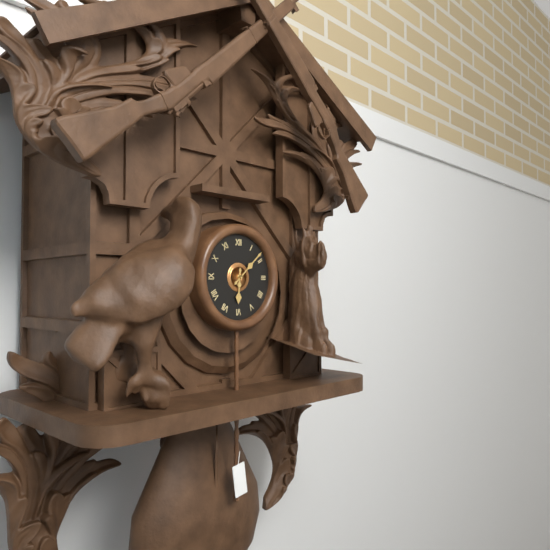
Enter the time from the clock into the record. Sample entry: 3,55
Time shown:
6,08
